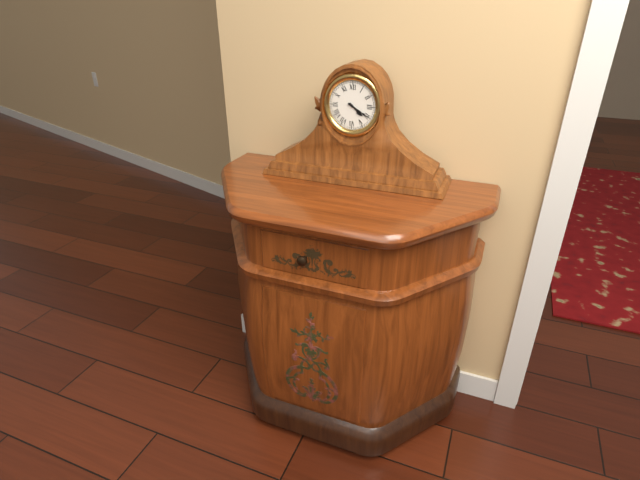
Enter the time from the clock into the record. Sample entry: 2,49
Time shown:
4,20
